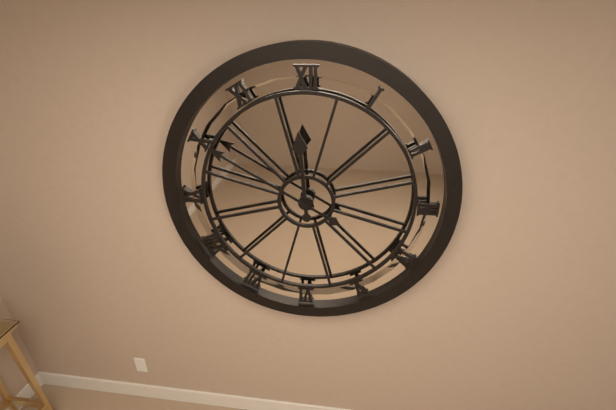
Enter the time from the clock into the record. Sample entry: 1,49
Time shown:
11,50
